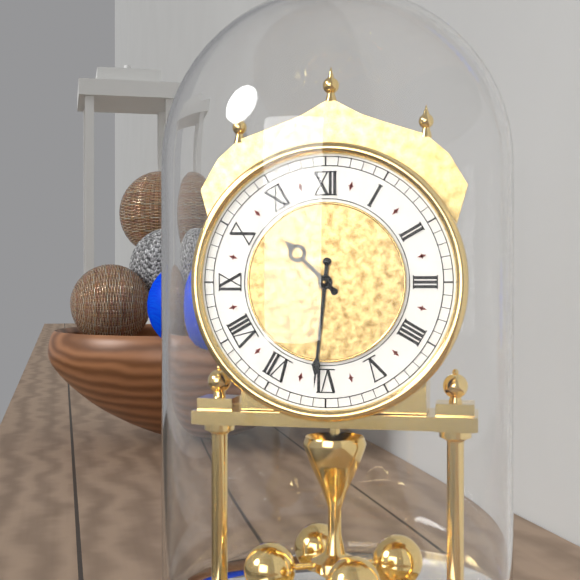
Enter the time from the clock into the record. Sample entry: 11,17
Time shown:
10,31
